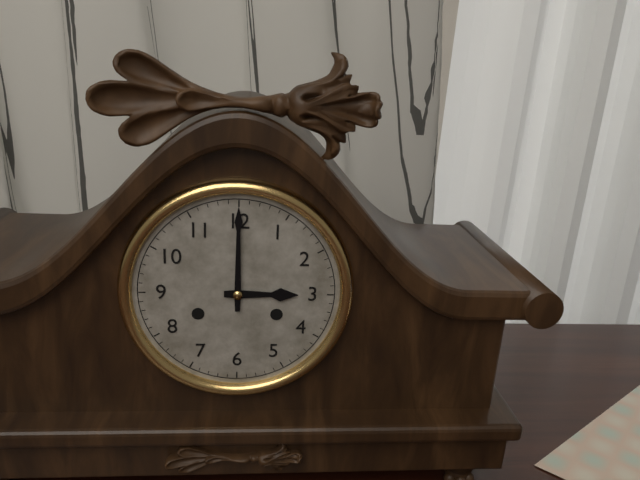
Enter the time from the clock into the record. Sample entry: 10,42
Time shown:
3,00
